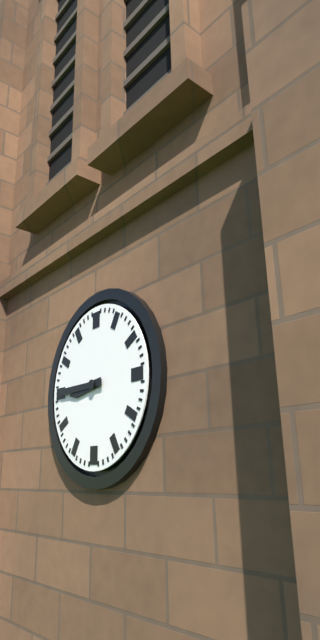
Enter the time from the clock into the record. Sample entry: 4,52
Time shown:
8,45
